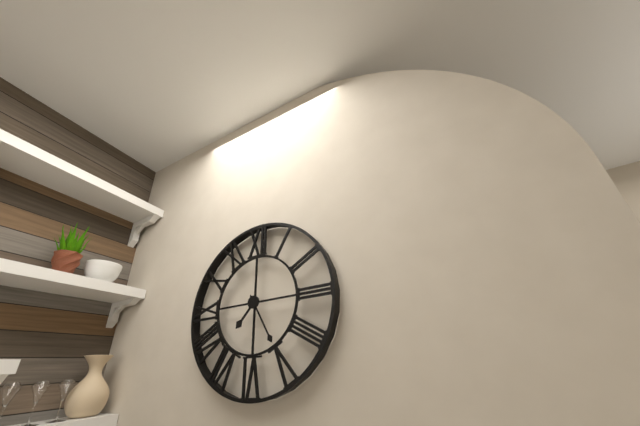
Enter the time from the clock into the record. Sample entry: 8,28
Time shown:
7,25
